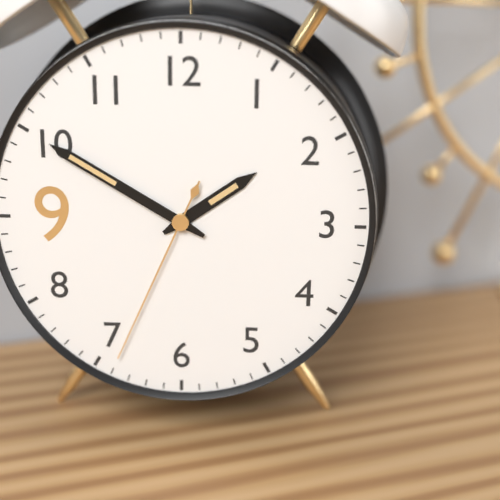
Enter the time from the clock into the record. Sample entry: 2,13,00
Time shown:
1,50,34
